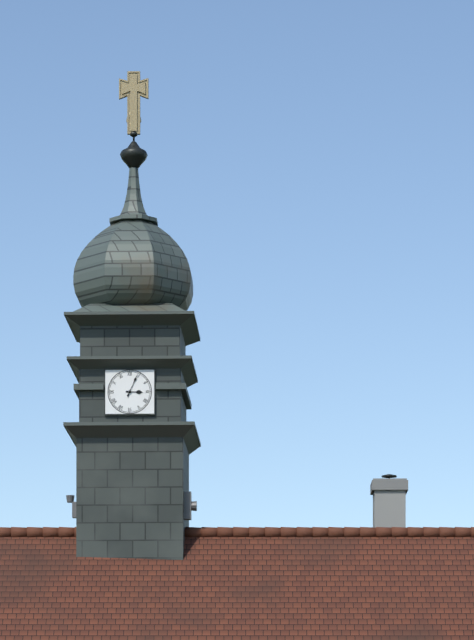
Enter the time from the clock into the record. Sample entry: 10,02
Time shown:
3,04
